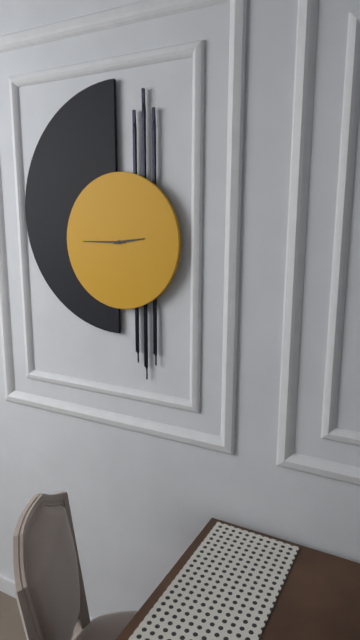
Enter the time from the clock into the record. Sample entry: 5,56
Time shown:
2,45
